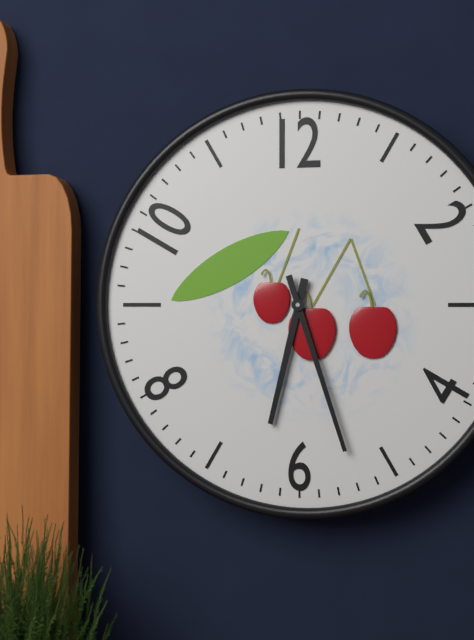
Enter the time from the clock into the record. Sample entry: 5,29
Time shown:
6,27
